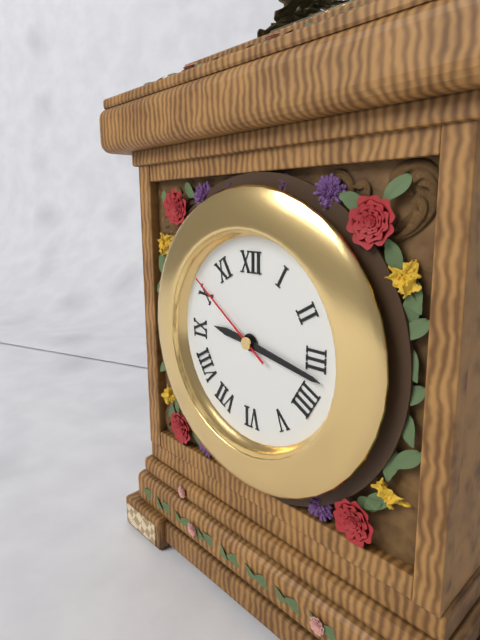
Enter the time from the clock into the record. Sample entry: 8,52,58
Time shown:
9,17,51
